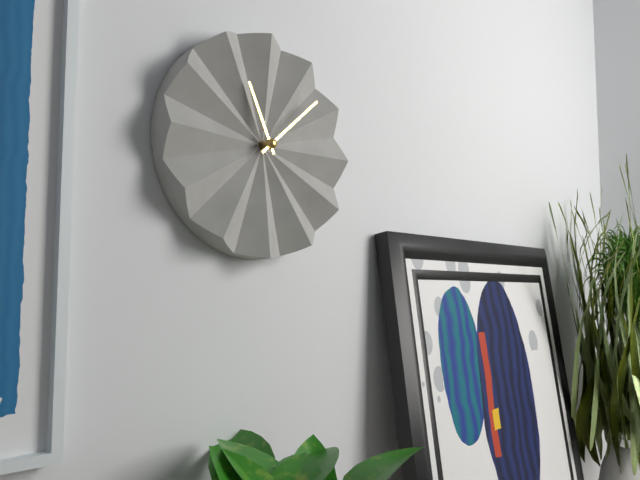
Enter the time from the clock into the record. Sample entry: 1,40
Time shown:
11,08
